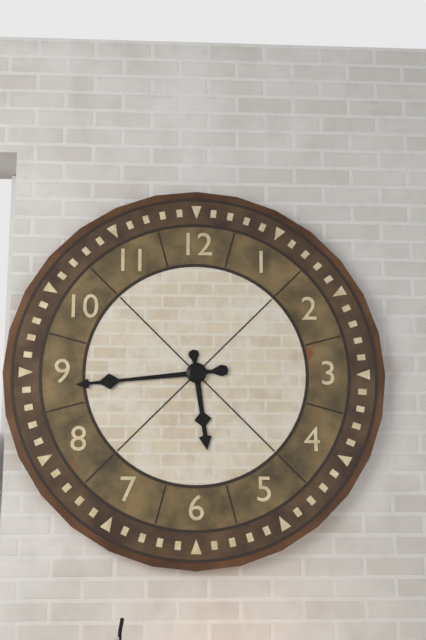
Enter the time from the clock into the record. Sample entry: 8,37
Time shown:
5,44
